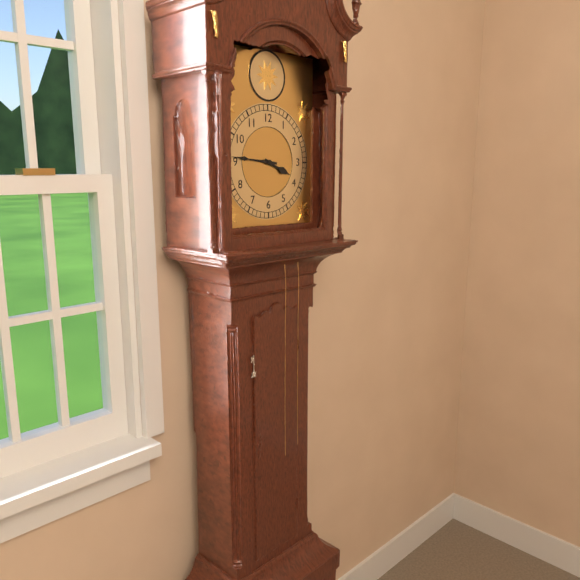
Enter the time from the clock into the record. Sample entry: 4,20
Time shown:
3,46
